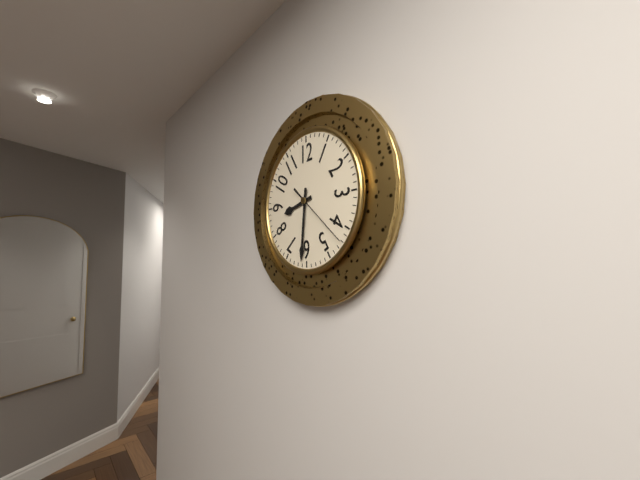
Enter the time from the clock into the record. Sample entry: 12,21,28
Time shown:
8,31,22
